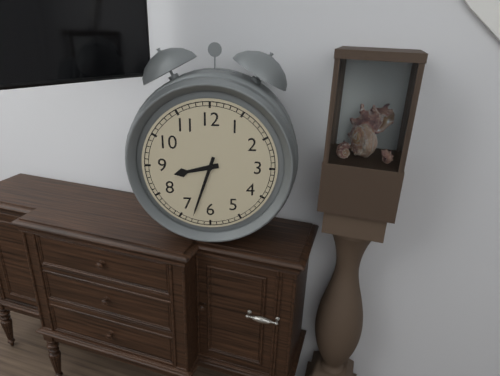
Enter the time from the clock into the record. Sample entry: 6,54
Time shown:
8,33
